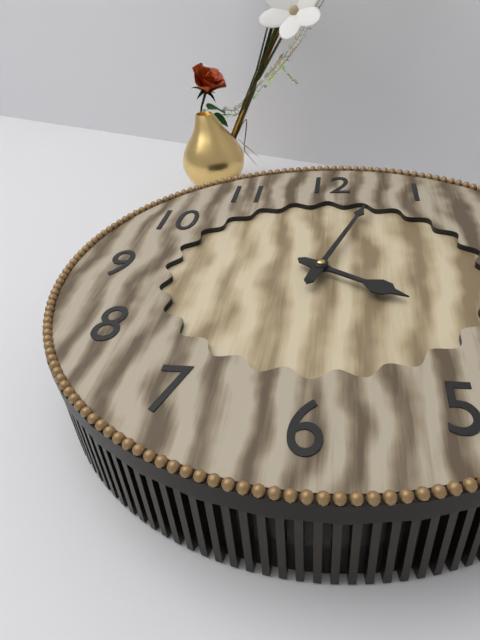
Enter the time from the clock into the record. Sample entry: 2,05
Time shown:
4,03
